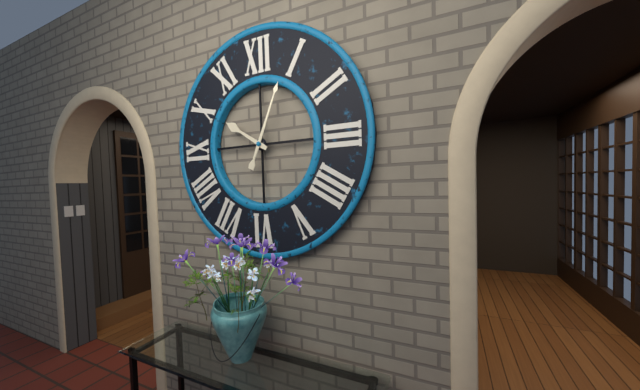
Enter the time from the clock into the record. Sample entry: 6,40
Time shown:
10,04
